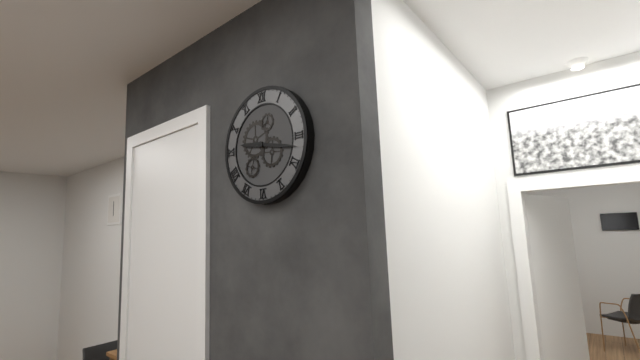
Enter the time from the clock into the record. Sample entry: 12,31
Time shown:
9,17
